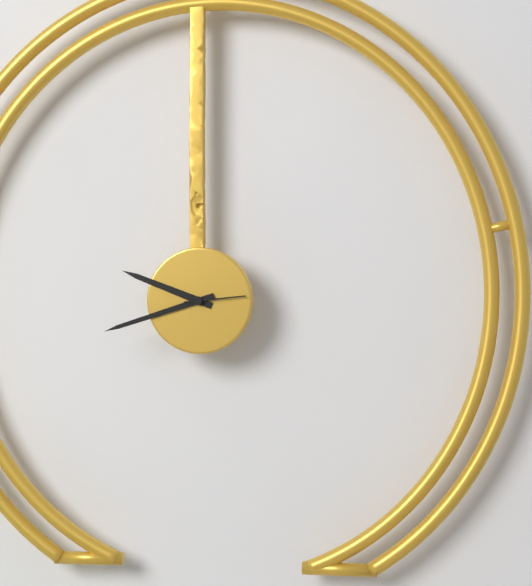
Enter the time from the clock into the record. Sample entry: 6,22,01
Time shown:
9,42,14
